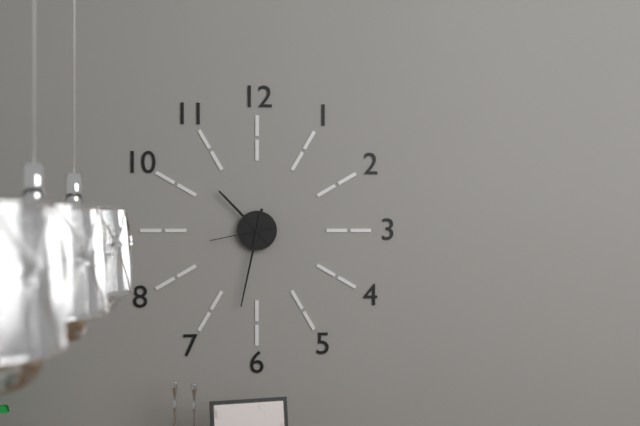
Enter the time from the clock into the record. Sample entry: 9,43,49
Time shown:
10,32,43
